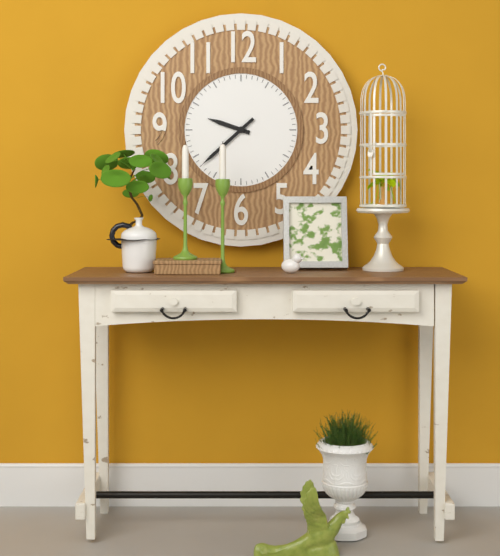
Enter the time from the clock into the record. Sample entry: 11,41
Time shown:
9,38
